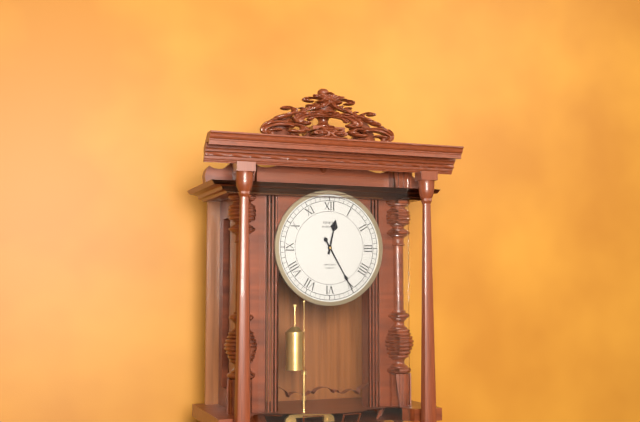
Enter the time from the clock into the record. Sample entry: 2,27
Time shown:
12,25
